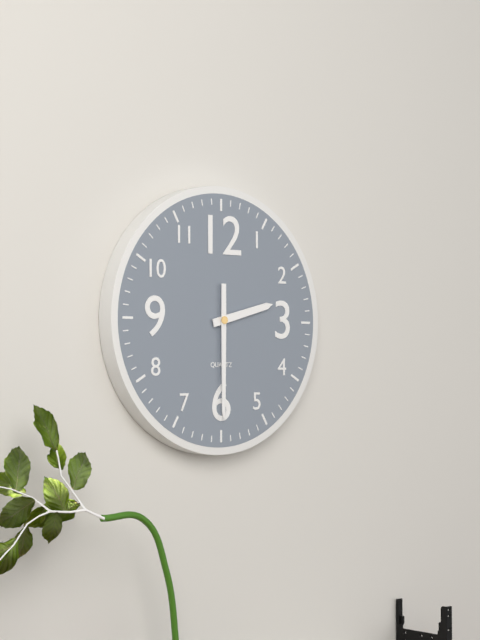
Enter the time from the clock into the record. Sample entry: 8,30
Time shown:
2,30
